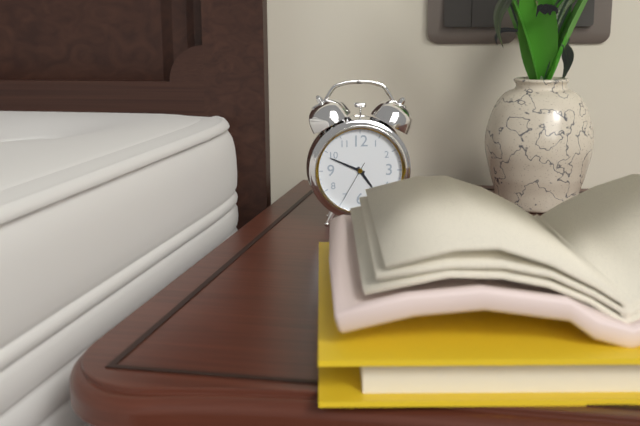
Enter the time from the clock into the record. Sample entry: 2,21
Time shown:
4,49
